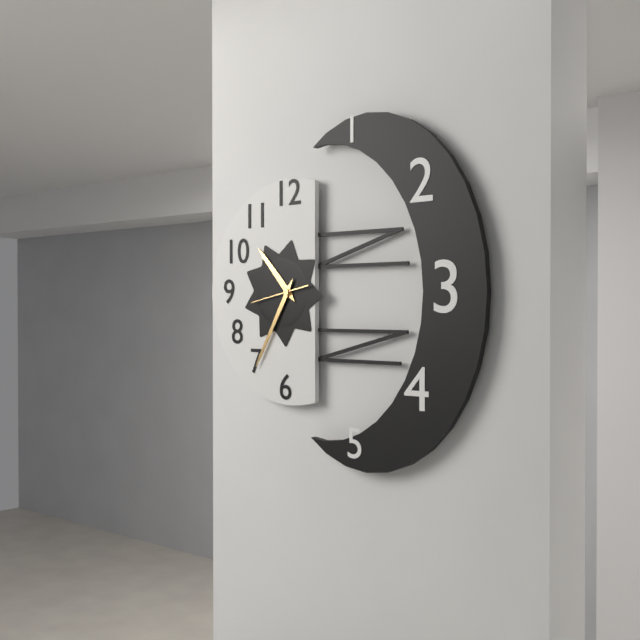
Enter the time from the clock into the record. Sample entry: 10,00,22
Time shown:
10,35,43
